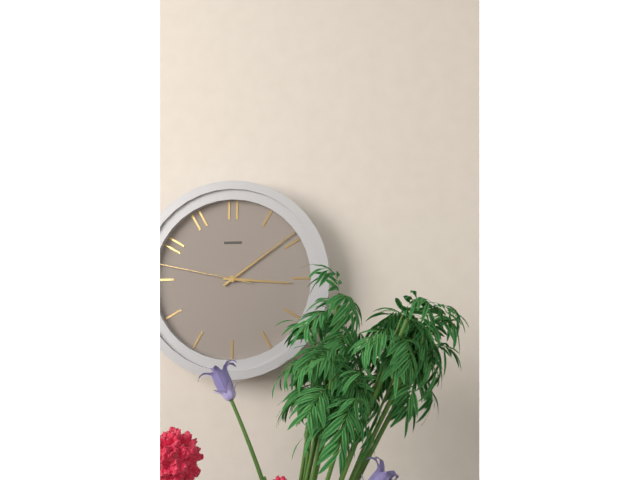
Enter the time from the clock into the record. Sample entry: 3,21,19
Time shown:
3,09,47
